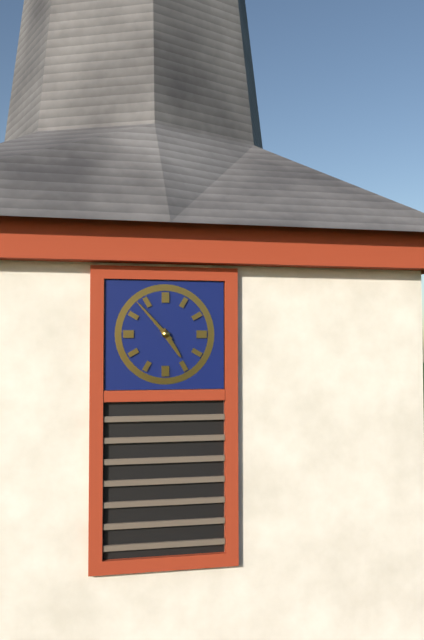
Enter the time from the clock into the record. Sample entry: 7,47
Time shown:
4,53
